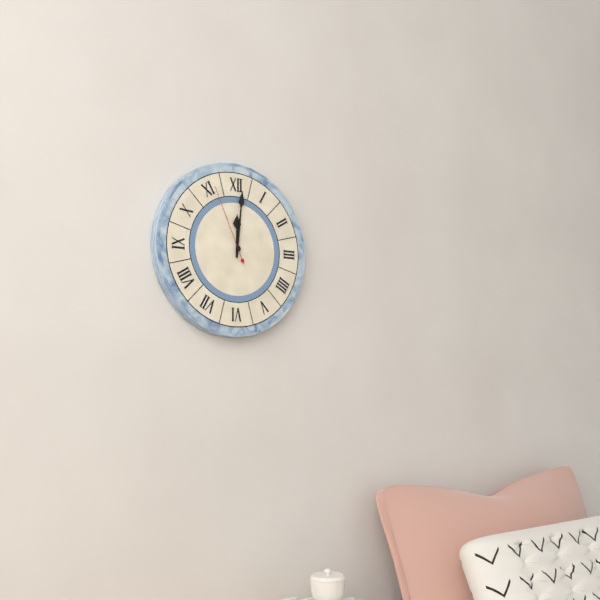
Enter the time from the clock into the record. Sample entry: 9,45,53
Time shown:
12,01,56
